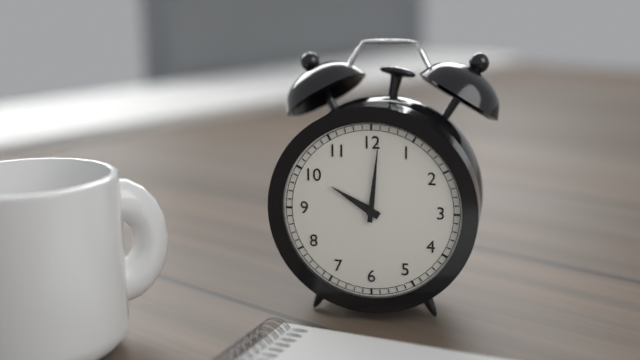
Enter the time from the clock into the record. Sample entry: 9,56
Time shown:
10,01
